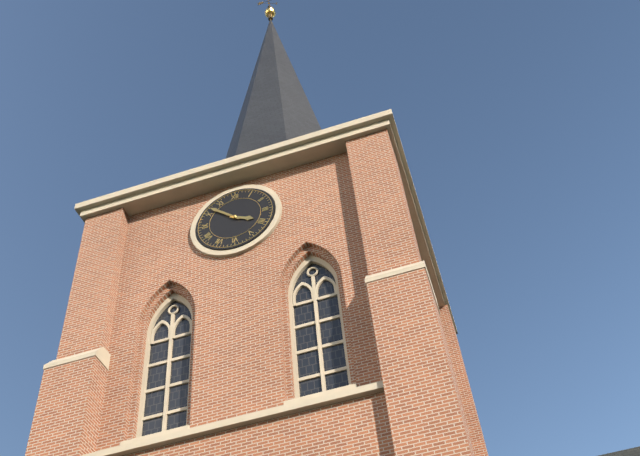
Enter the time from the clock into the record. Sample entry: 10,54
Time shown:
3,52
